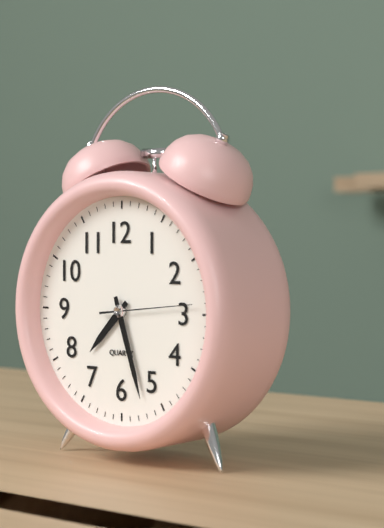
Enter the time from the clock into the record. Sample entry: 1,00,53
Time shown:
7,27,14
